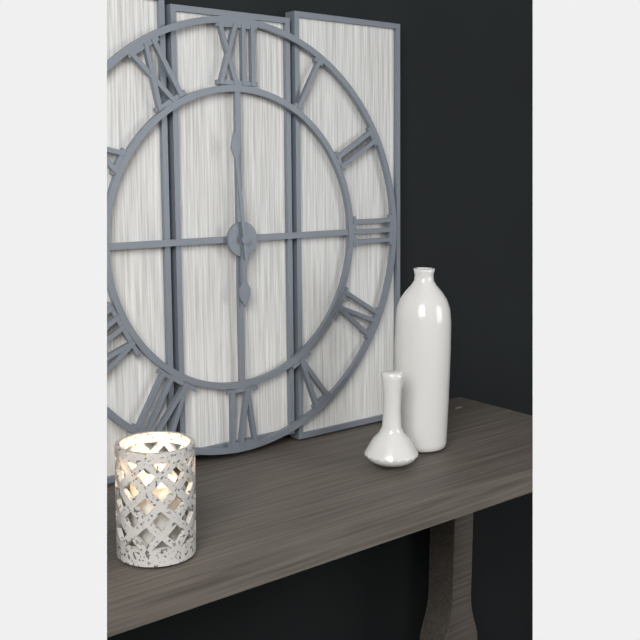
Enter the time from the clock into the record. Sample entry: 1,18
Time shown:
5,59
